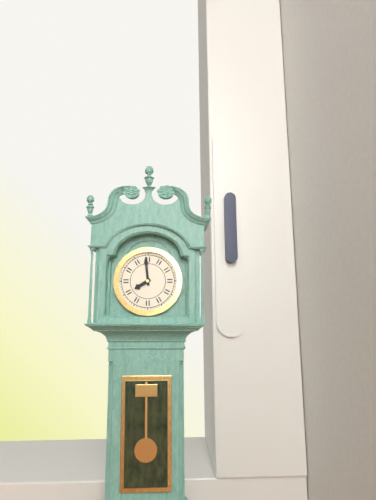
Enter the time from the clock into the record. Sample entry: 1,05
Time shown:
7,59
